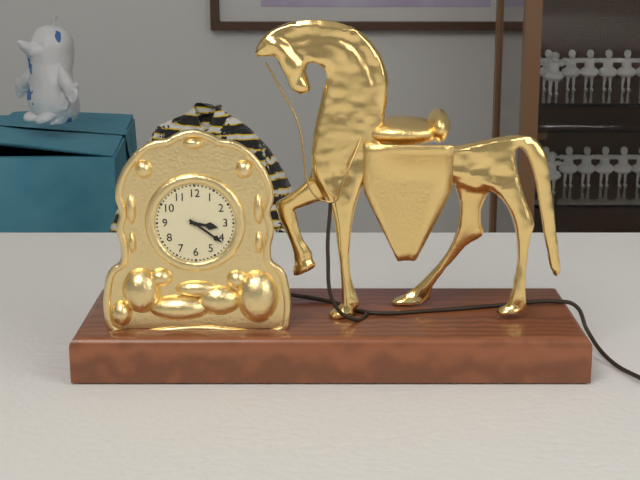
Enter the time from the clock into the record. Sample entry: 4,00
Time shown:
3,21
